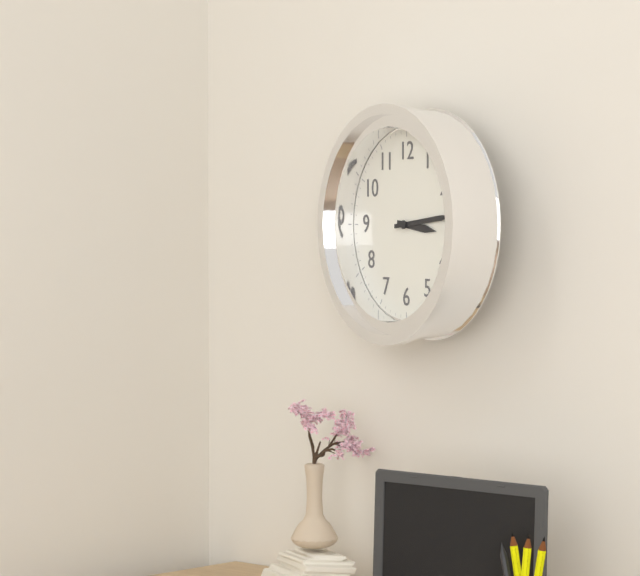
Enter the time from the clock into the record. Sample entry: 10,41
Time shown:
3,14
